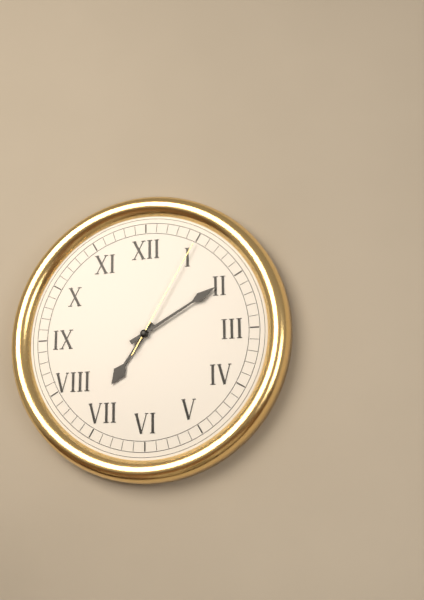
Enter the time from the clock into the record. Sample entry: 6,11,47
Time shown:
7,10,05
